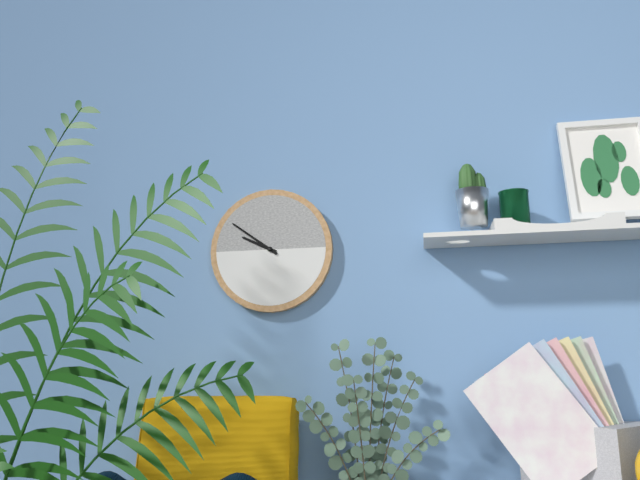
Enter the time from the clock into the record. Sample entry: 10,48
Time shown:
9,51
